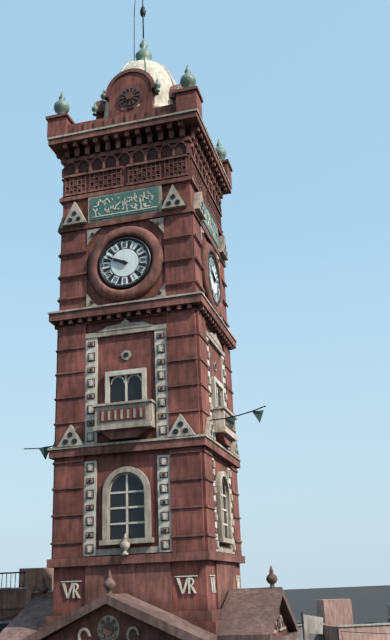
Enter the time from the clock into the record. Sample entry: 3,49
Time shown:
9,49
